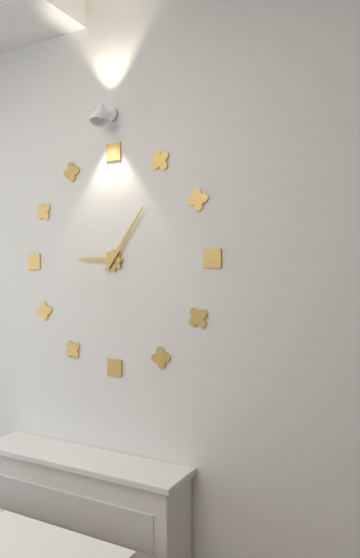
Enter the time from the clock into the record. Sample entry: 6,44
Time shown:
9,06
